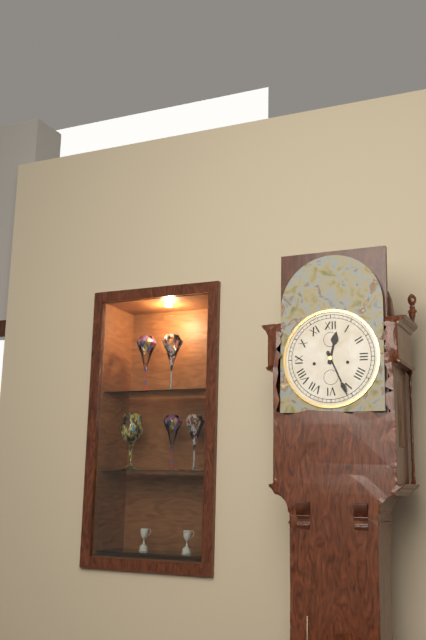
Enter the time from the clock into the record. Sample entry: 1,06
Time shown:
12,26
